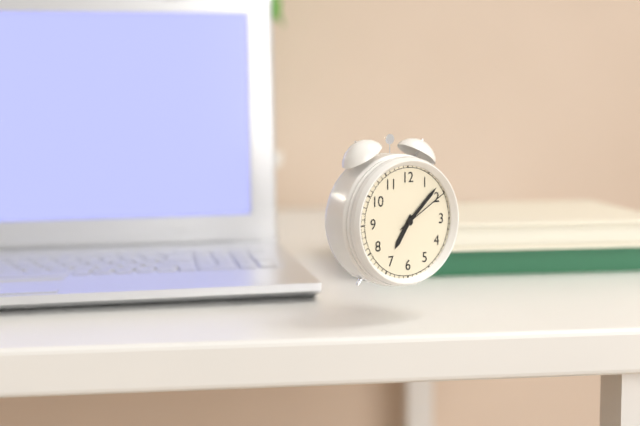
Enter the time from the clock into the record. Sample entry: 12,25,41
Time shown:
7,08,10
